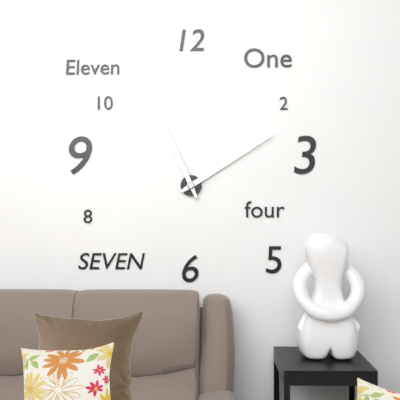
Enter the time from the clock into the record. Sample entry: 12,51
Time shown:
1,56
